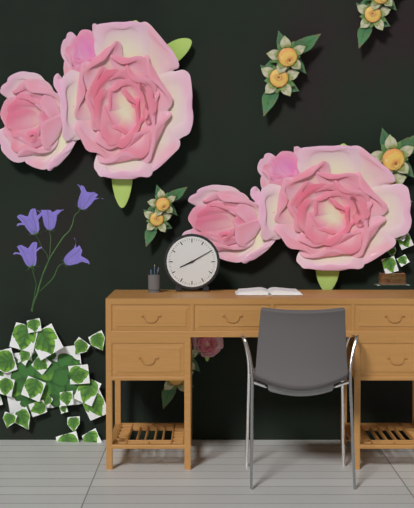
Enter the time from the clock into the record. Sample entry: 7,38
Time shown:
8,10
